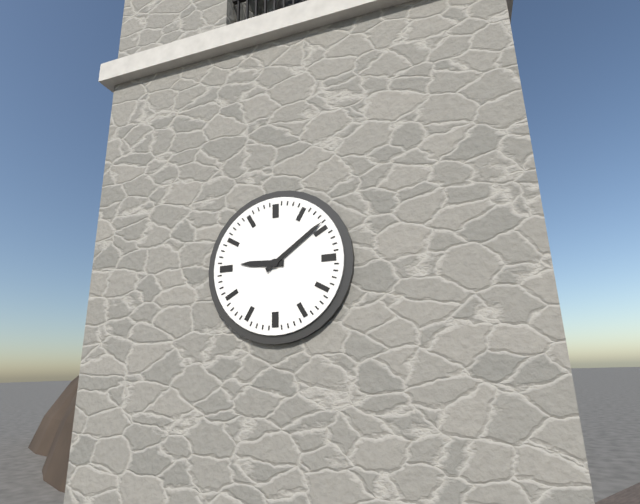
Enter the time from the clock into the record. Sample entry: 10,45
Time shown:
9,09
